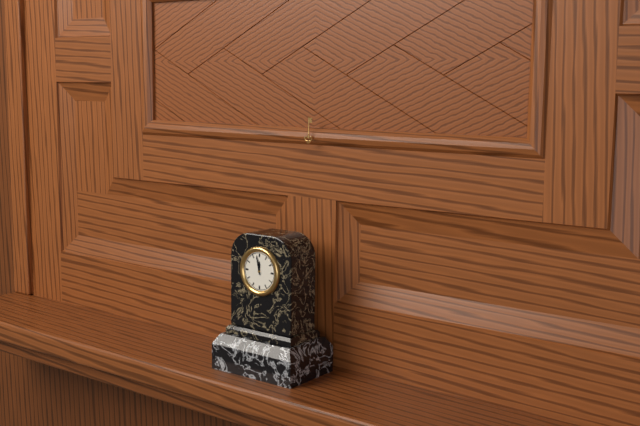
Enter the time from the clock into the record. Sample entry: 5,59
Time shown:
11,58
